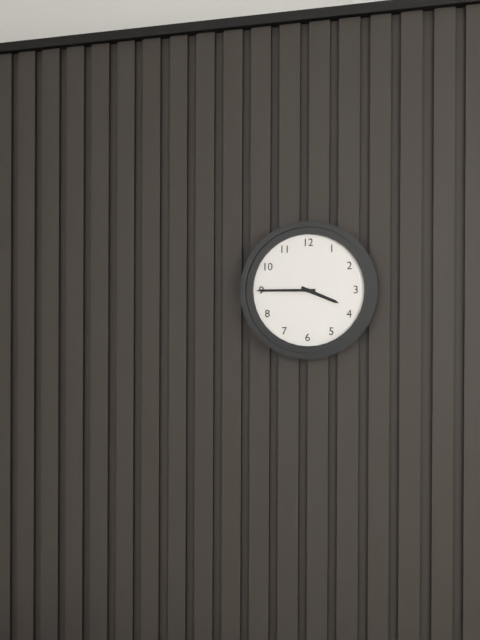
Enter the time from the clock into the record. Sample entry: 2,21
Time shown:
3,45
